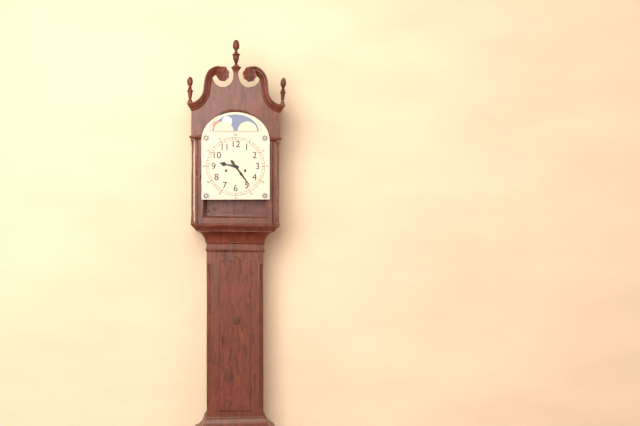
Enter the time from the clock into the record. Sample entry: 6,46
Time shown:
9,24
